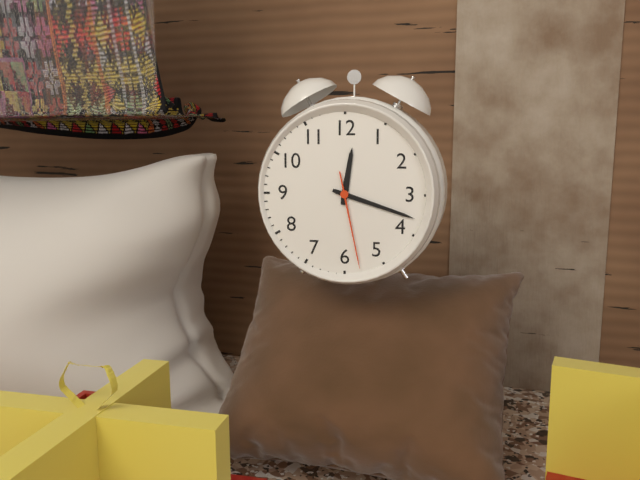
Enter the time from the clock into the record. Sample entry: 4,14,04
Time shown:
12,18,28
